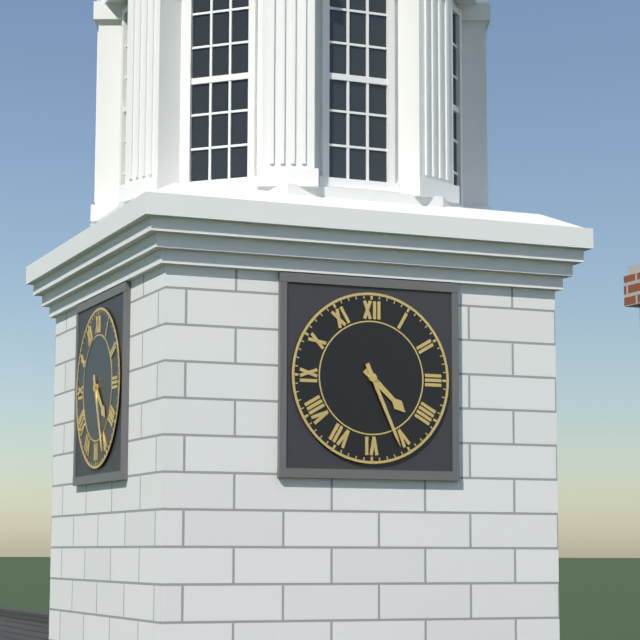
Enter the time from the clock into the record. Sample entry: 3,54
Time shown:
4,26
